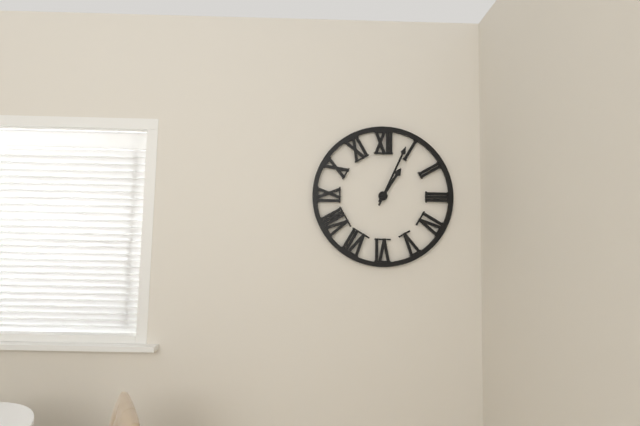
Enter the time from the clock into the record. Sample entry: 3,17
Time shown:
1,04
